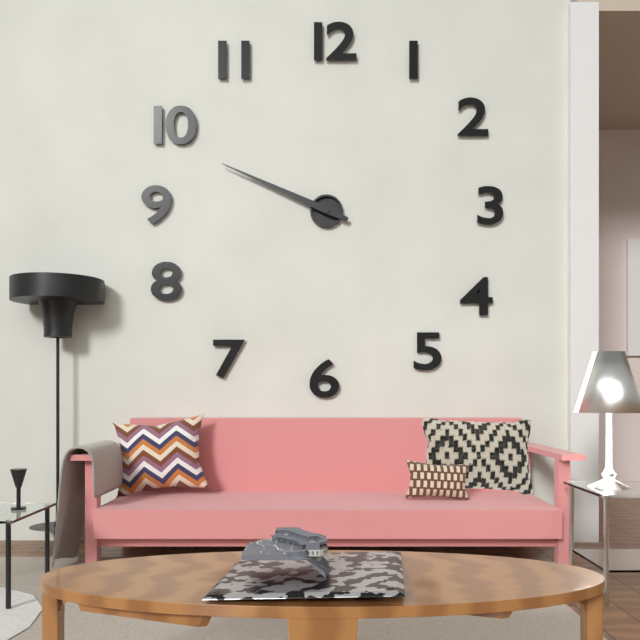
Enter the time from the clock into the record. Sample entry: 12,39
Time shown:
9,49
